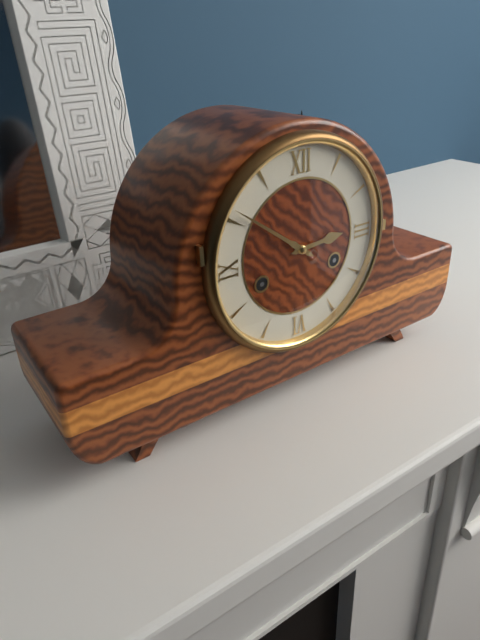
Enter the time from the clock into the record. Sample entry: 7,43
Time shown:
2,51
